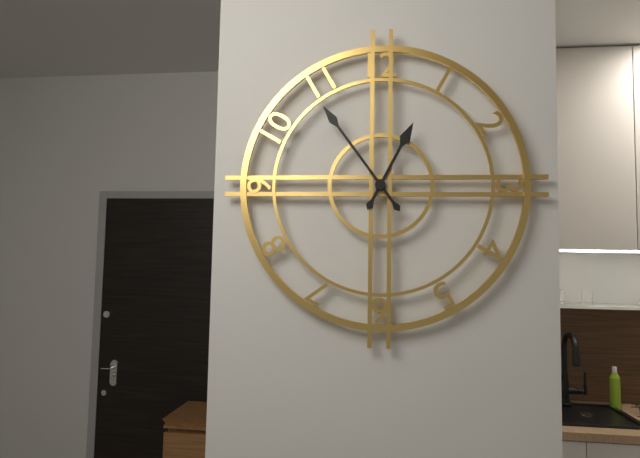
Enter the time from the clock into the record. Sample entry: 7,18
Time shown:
12,54
